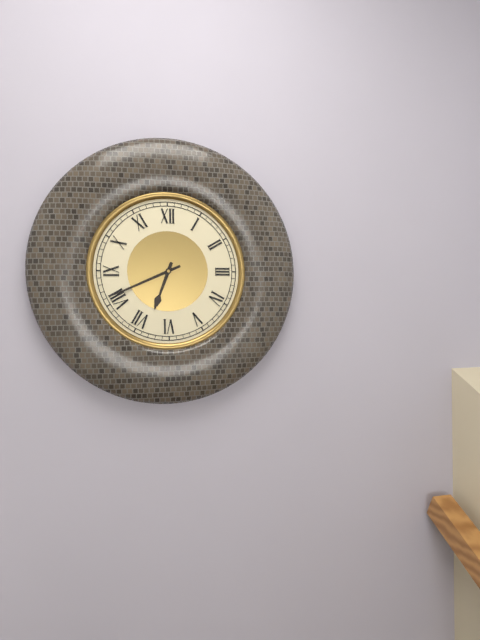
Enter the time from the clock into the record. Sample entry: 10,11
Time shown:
6,41
